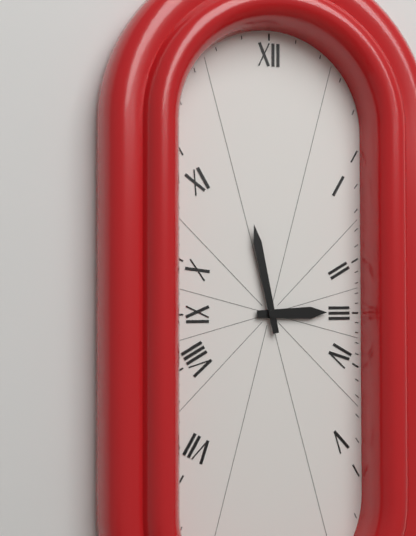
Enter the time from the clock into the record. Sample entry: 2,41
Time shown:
2,58
